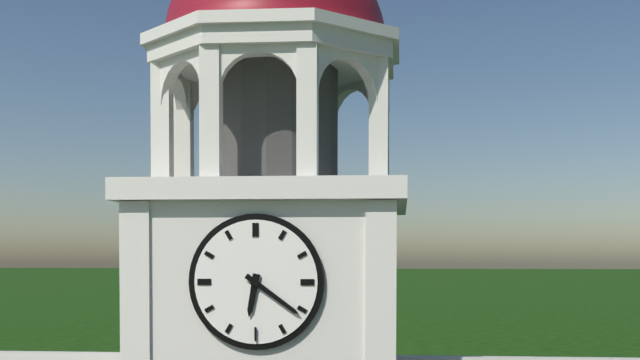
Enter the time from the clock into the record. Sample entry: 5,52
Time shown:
6,21
